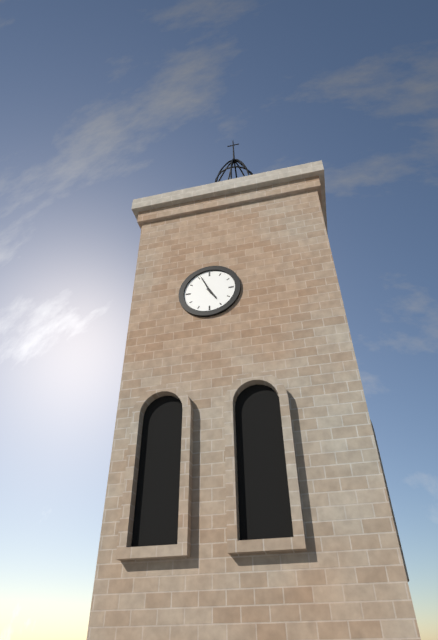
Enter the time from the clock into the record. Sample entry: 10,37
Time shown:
4,56
